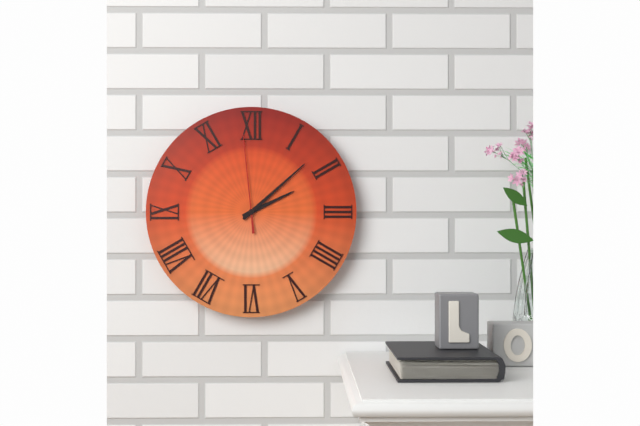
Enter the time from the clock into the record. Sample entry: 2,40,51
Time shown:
2,08,59
